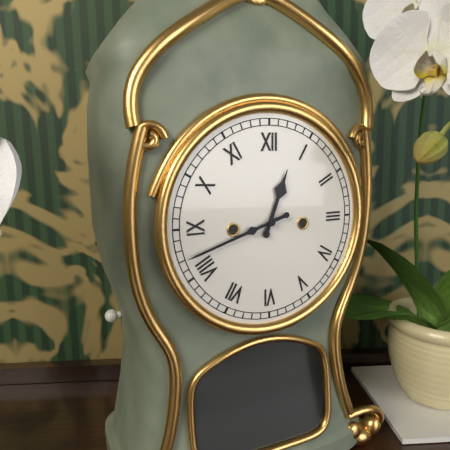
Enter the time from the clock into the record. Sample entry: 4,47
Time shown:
12,42
